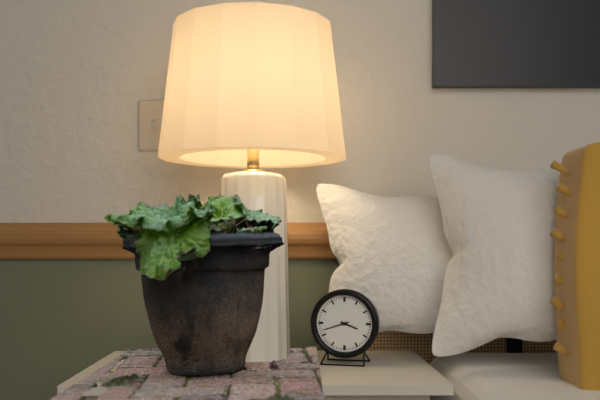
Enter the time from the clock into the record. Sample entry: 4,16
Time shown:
3,42
